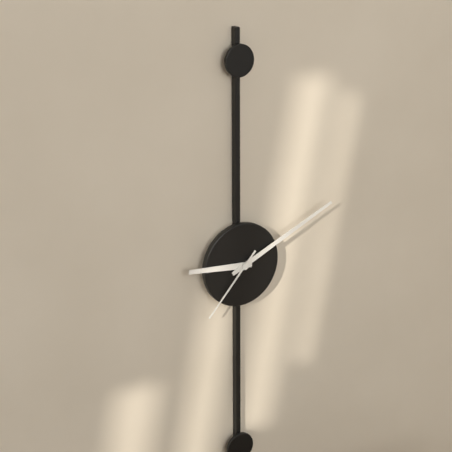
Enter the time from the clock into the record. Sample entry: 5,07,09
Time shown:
9,11,37
